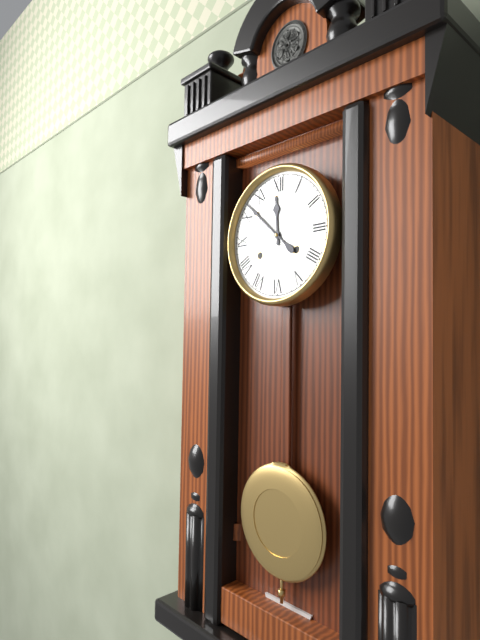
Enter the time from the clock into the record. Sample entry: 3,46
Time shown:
11,52
